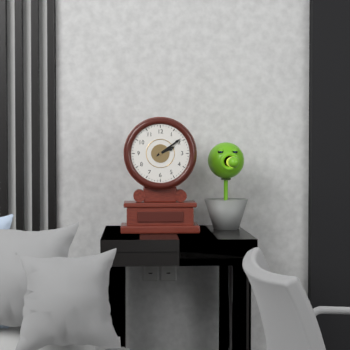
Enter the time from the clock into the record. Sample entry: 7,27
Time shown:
2,09
